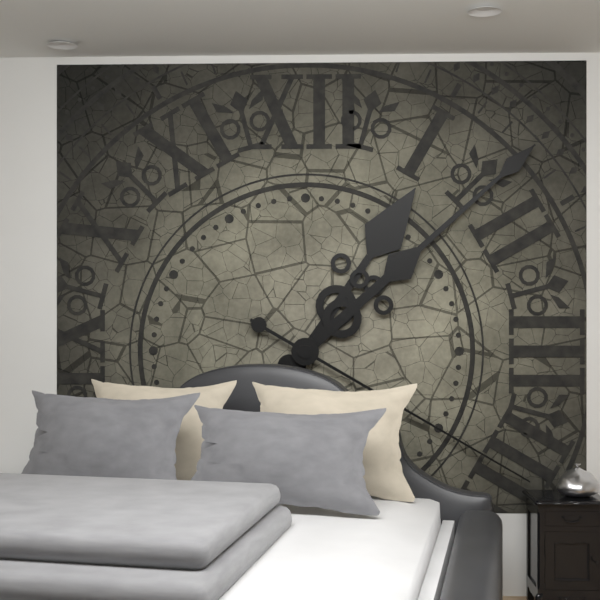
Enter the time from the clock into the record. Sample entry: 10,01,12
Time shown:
1,08,20
